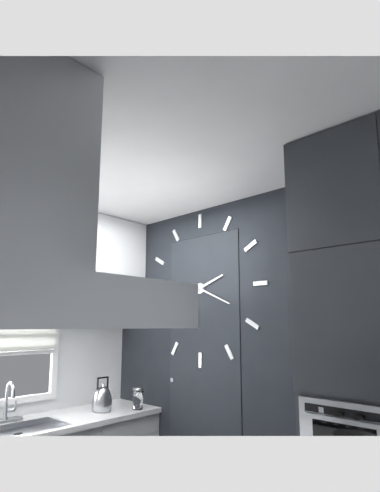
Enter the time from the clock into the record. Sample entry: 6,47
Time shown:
2,19
